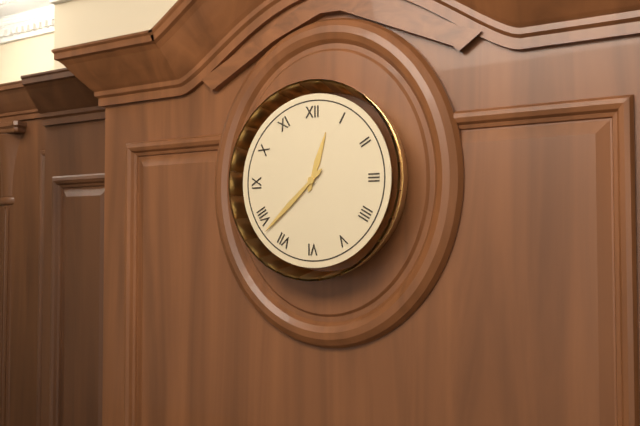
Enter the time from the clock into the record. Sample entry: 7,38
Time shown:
12,38
